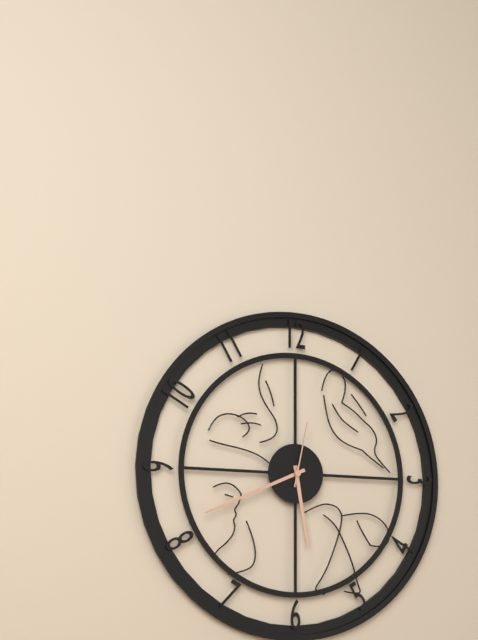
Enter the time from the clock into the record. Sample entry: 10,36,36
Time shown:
5,41,02
